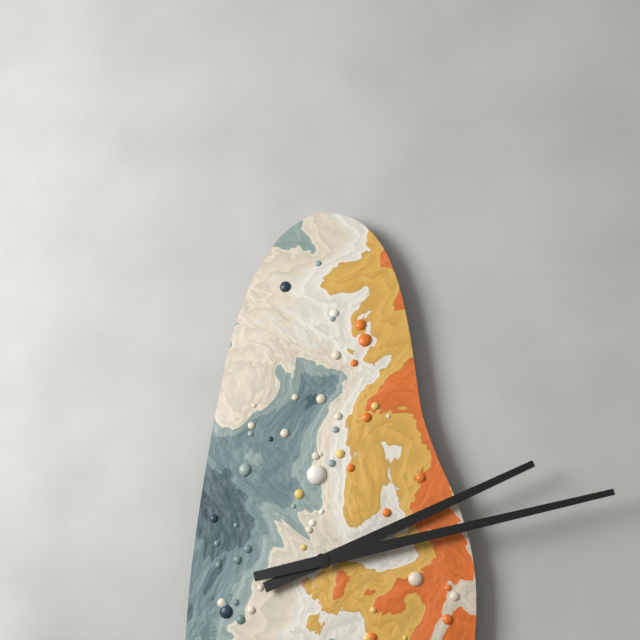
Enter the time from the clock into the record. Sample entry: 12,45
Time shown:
2,13
